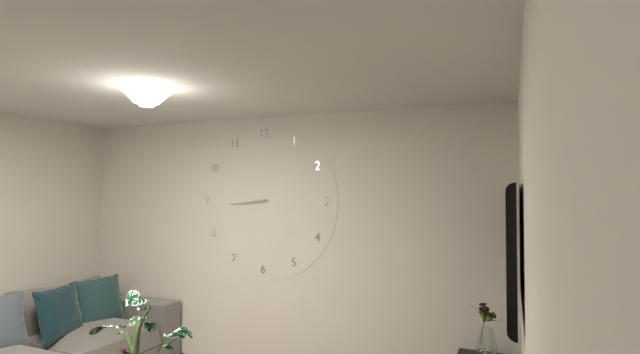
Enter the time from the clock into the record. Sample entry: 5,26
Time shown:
8,44
